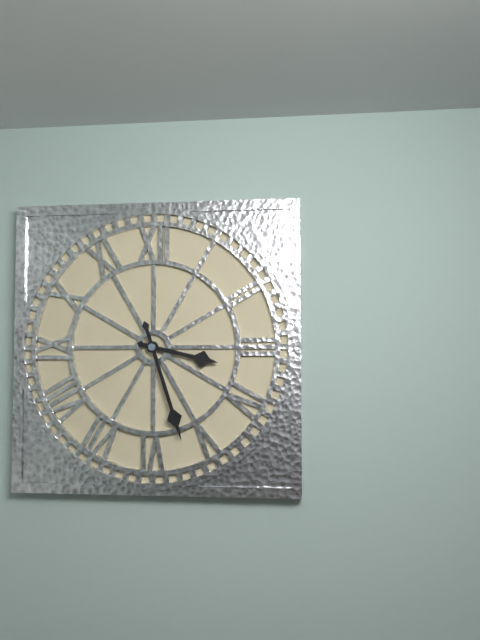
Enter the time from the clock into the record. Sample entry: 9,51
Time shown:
3,27
